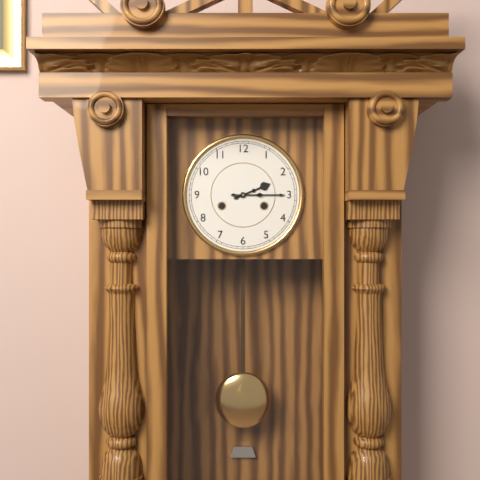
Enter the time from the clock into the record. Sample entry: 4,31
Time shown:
2,15
